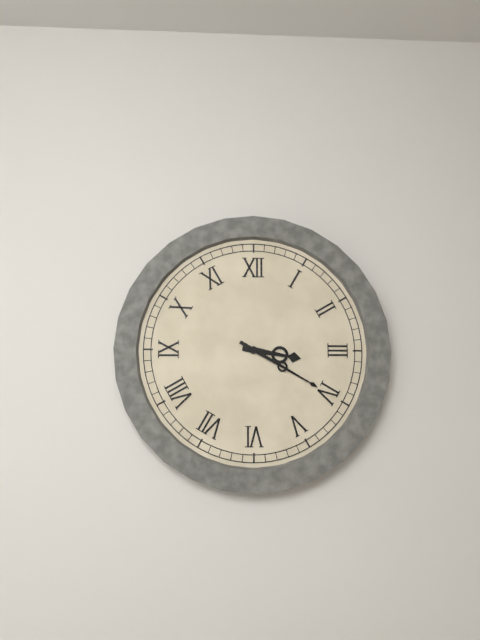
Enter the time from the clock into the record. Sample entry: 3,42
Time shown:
3,20
